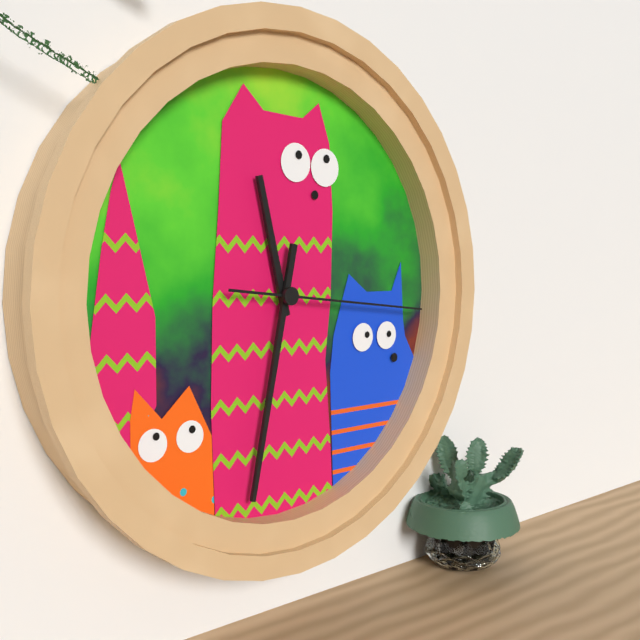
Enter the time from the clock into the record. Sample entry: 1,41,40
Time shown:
11,32,16
